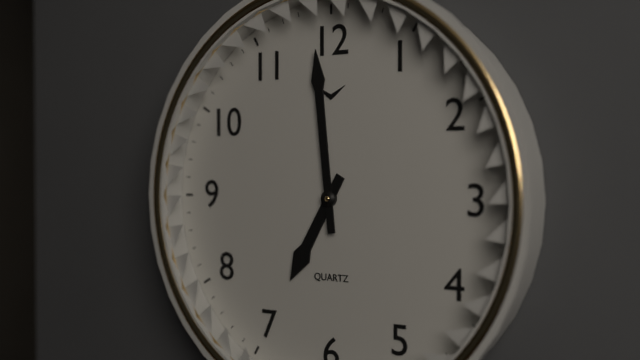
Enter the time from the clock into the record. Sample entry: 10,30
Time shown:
6,59
